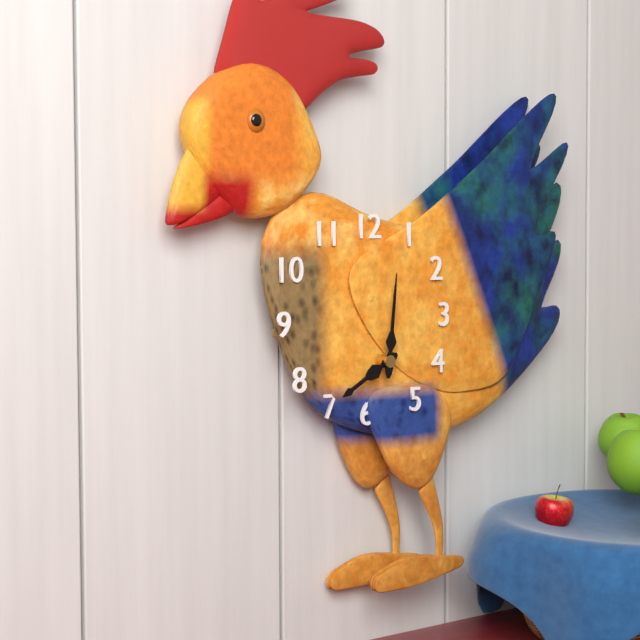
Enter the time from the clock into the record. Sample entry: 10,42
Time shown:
8,01
